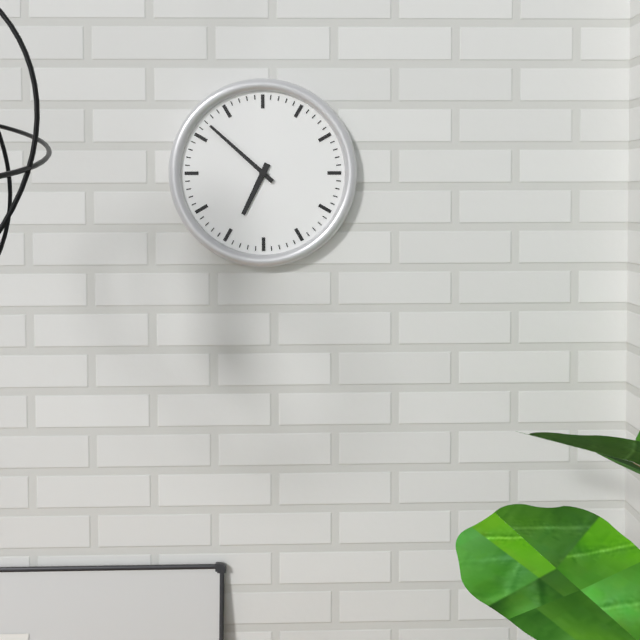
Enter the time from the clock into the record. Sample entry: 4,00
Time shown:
6,52
